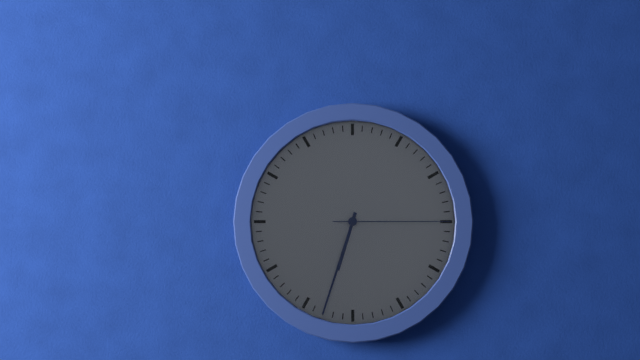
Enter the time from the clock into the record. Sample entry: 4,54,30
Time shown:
6,33,15
